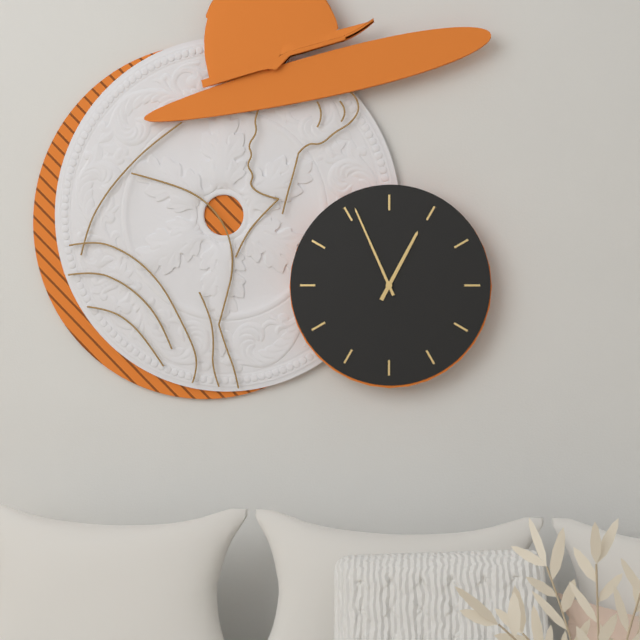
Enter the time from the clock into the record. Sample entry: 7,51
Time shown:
12,56
